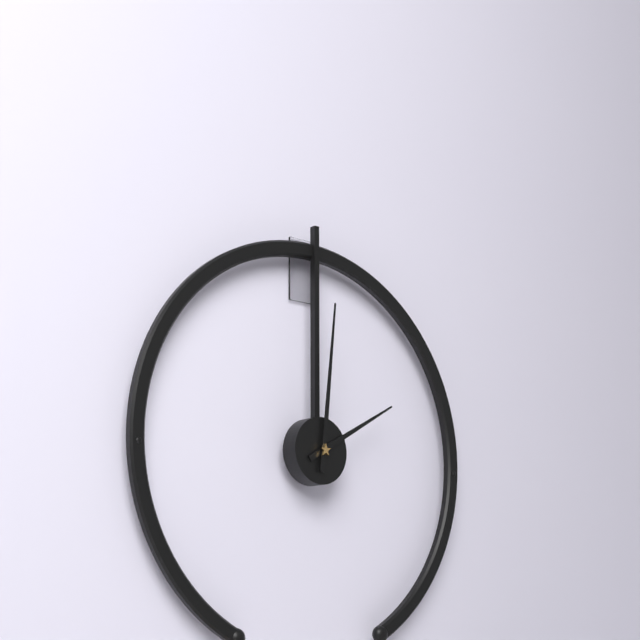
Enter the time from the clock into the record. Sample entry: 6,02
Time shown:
2,01
